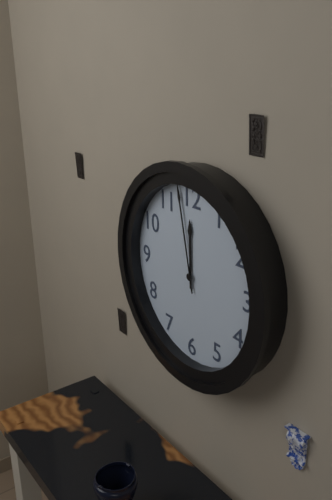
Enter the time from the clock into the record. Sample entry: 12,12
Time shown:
11,58
